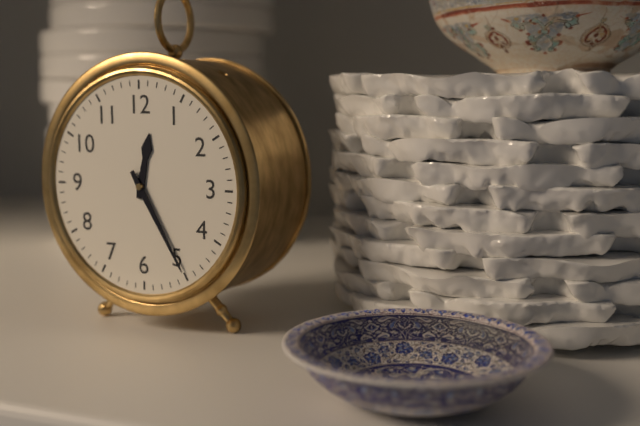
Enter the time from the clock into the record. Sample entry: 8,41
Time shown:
12,25
